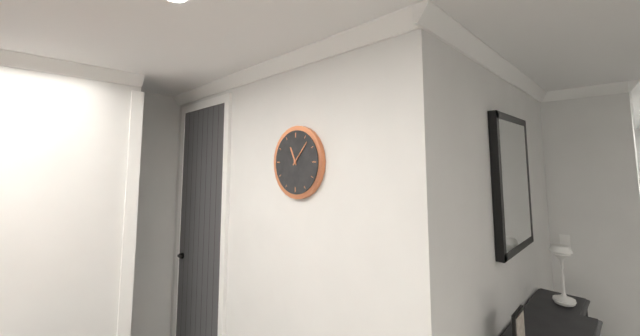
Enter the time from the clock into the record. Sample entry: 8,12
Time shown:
11,07
